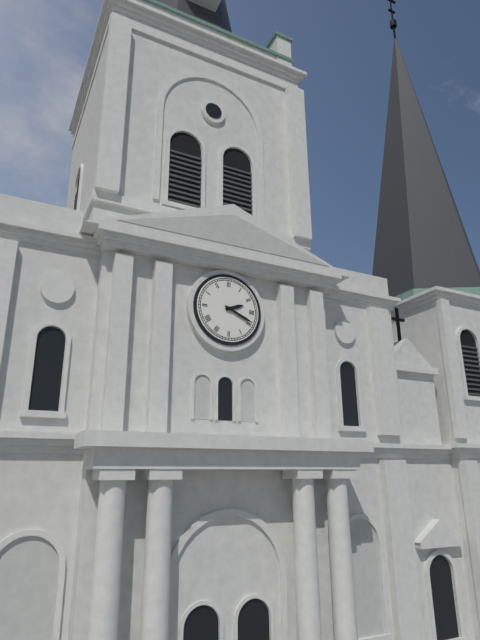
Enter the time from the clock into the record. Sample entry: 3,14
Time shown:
2,19
